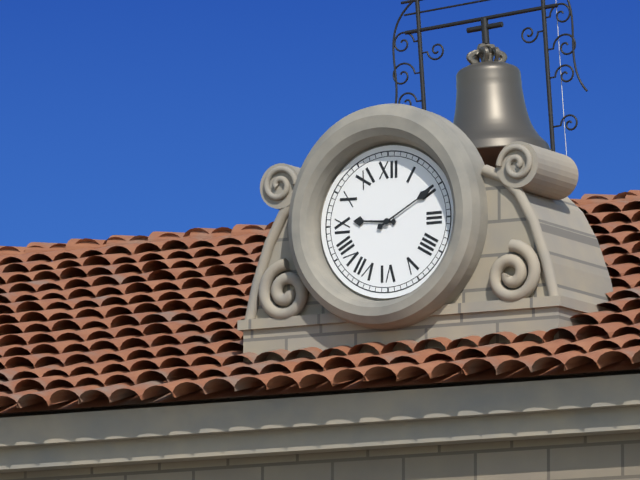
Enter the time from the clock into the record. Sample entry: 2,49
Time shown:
9,10
